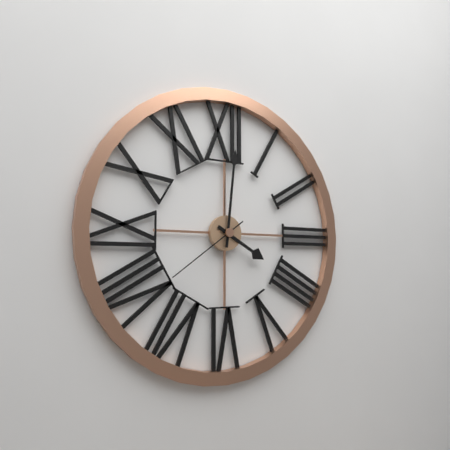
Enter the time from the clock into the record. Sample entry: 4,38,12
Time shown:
4,01,39
